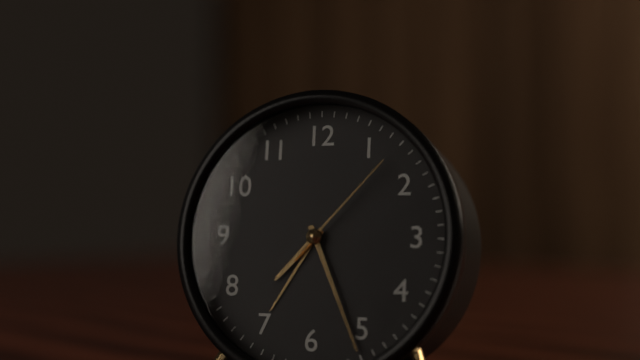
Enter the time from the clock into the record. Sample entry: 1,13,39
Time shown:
7,26,07
